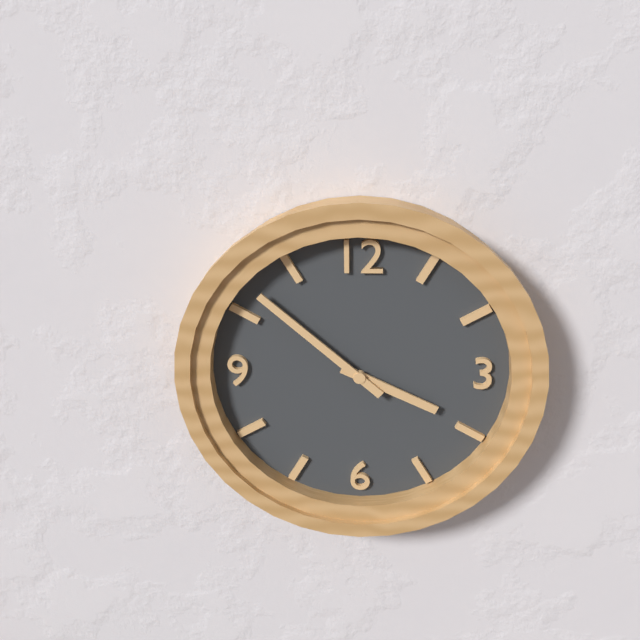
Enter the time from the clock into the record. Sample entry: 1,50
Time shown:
3,52
